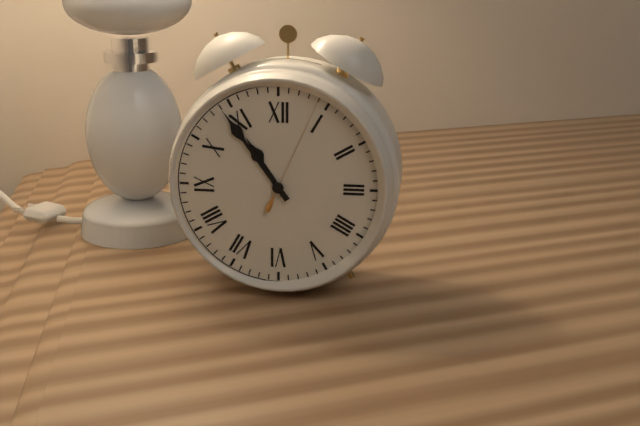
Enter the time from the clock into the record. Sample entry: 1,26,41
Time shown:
10,54,04
